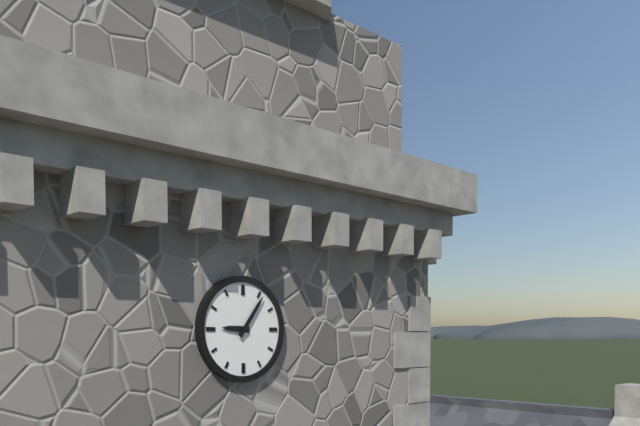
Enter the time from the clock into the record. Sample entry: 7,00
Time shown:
9,06
